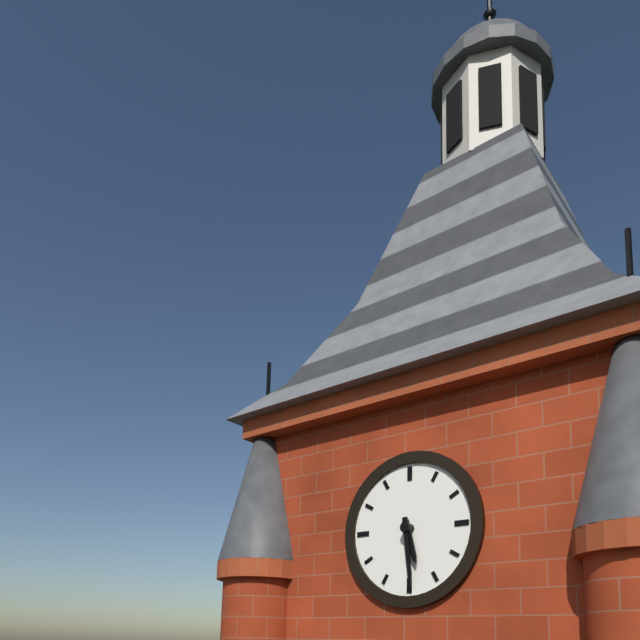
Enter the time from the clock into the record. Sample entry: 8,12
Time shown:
5,29
